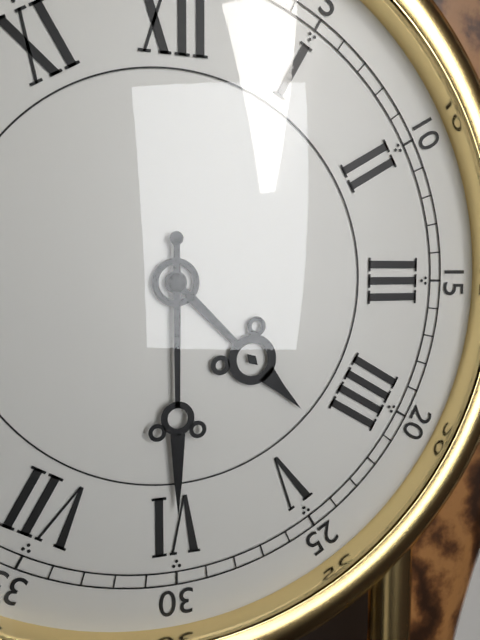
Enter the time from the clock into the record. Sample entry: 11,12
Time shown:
4,30
